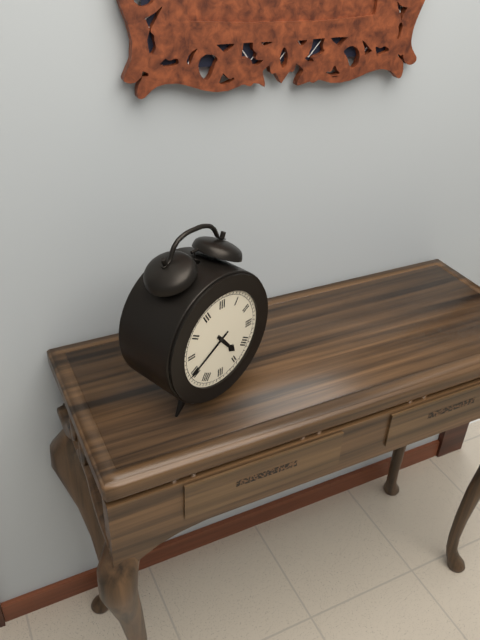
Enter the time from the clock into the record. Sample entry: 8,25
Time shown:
4,40
